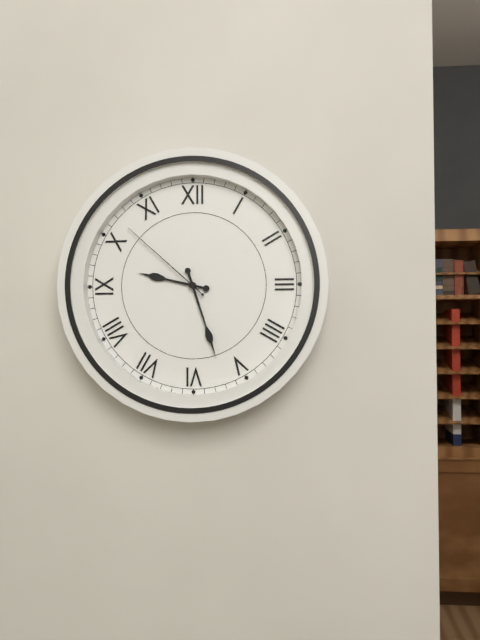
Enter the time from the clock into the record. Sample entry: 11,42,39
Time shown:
9,27,52
